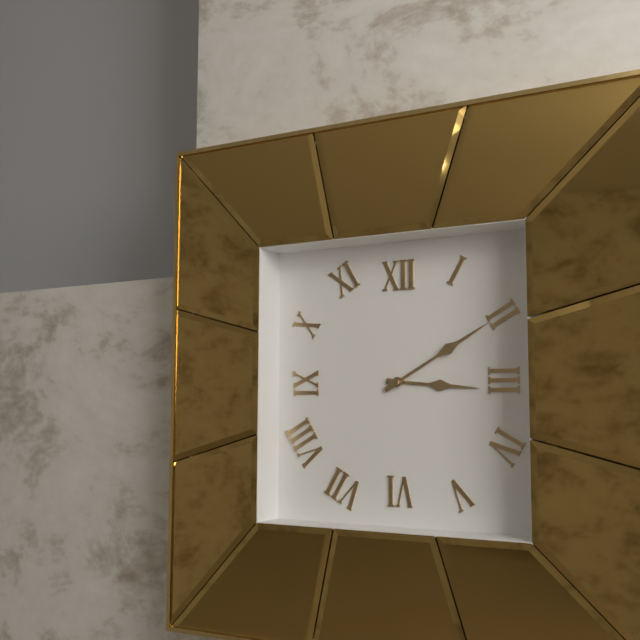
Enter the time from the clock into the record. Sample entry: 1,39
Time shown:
3,10
